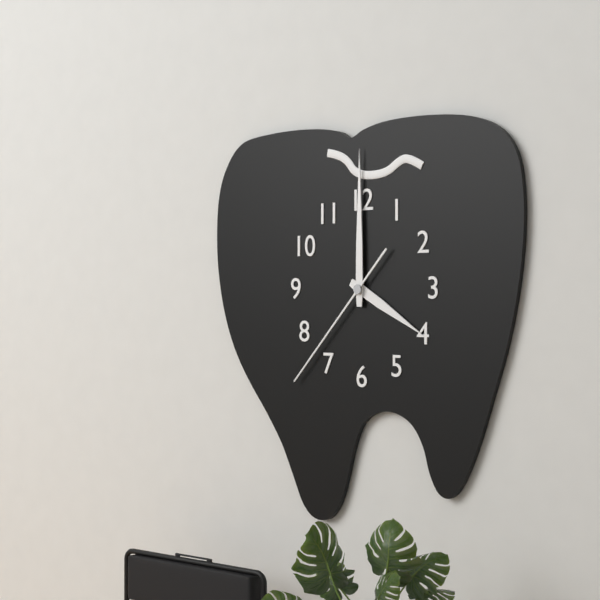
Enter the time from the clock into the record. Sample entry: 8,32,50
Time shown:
4,00,37
